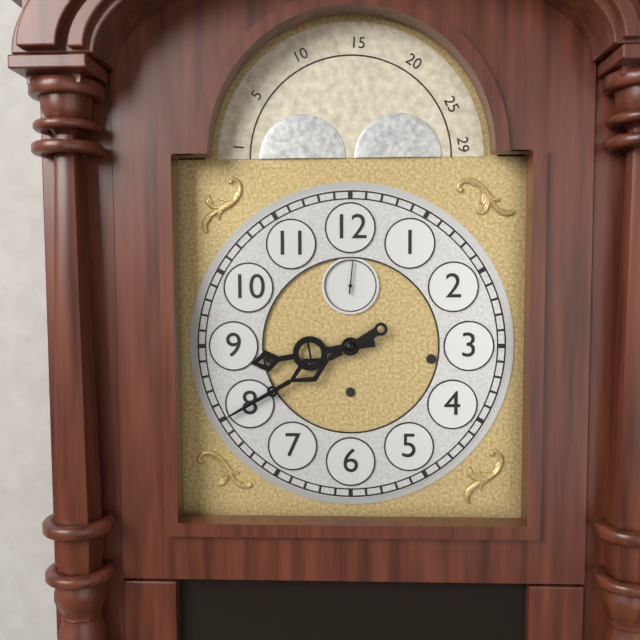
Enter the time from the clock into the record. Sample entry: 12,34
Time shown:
8,40
